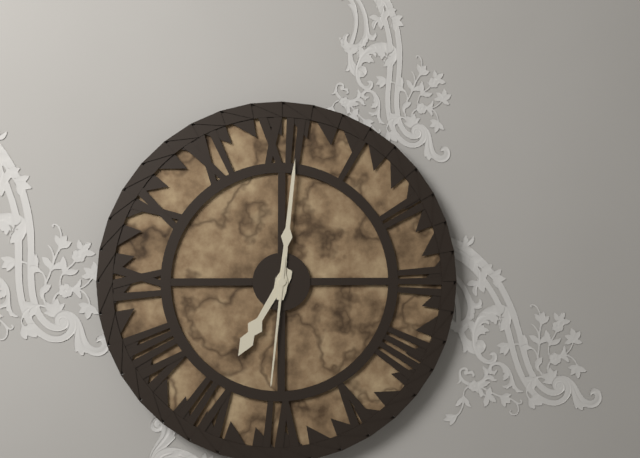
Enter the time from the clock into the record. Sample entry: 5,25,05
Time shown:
7,01,31
